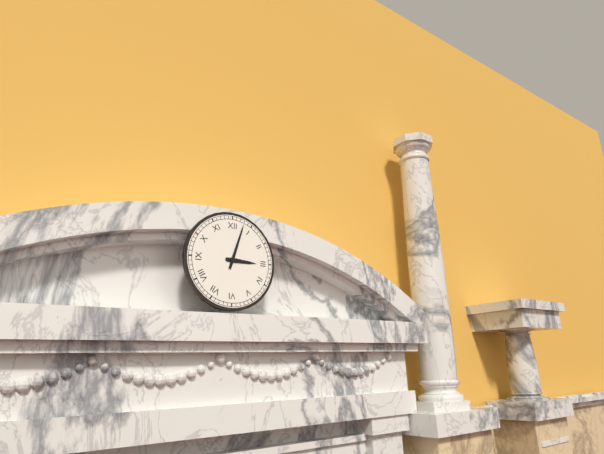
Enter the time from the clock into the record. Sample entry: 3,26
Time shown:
3,03
